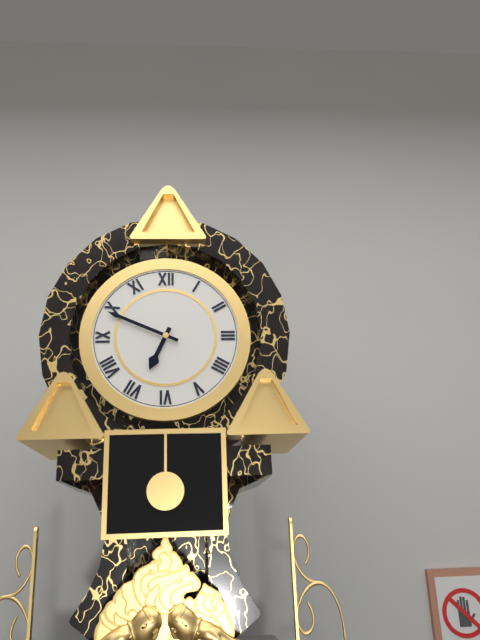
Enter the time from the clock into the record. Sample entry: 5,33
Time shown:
6,49
